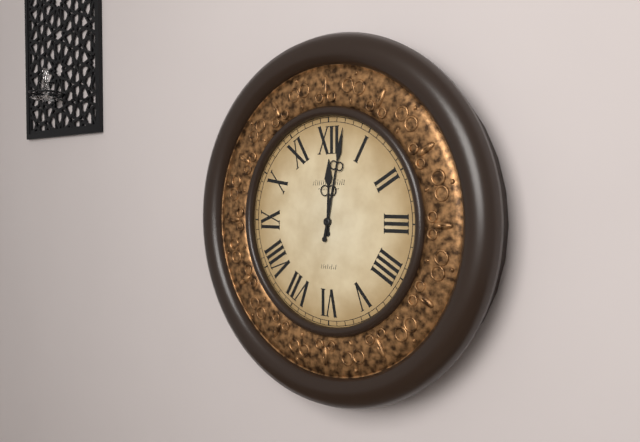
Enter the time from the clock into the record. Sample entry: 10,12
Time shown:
12,02
